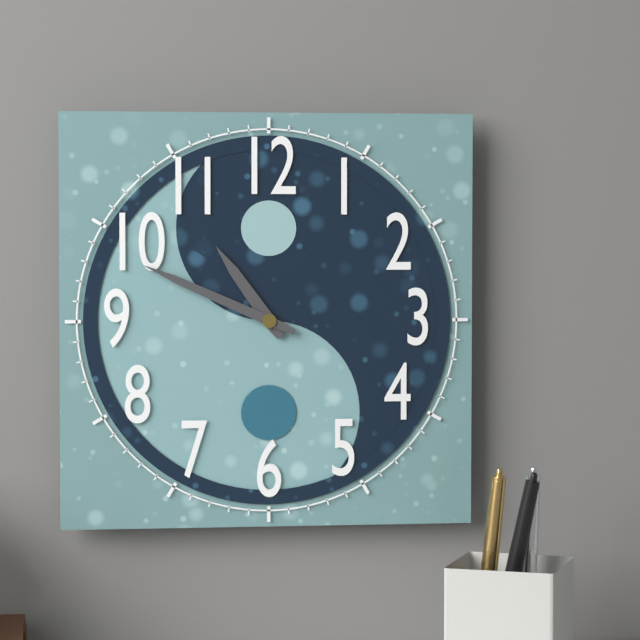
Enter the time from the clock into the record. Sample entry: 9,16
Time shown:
10,49
